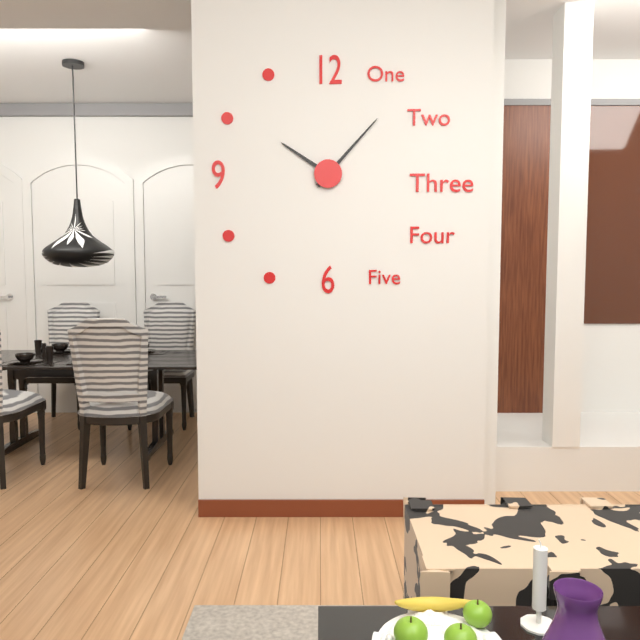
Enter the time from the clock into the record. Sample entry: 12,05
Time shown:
10,07
